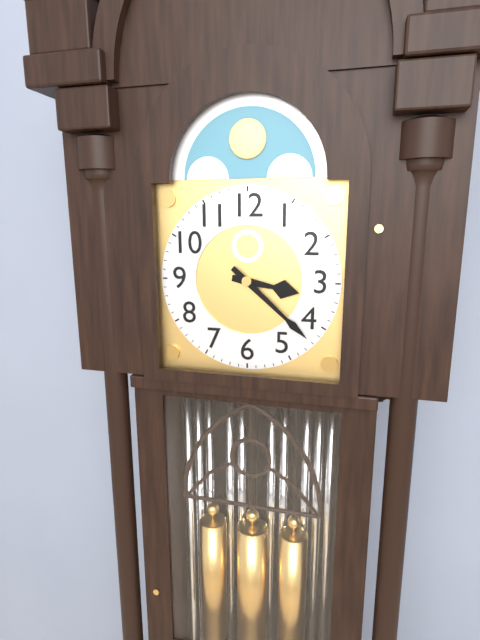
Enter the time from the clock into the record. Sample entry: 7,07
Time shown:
3,22
